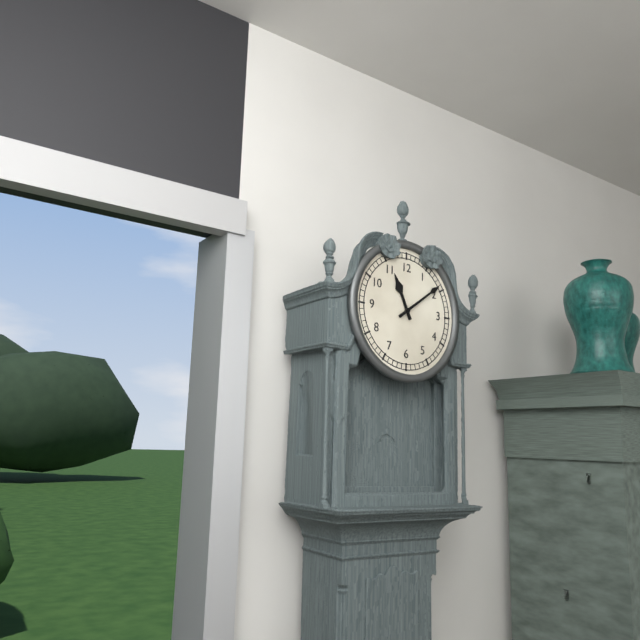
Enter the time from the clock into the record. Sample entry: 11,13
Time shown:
11,09
